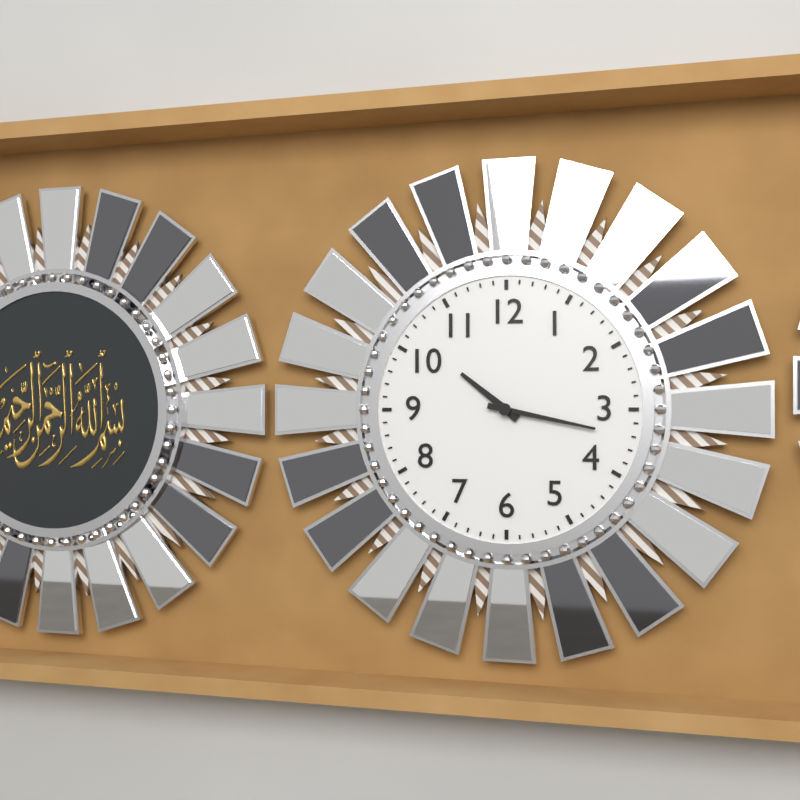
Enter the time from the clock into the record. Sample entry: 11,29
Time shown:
10,17
